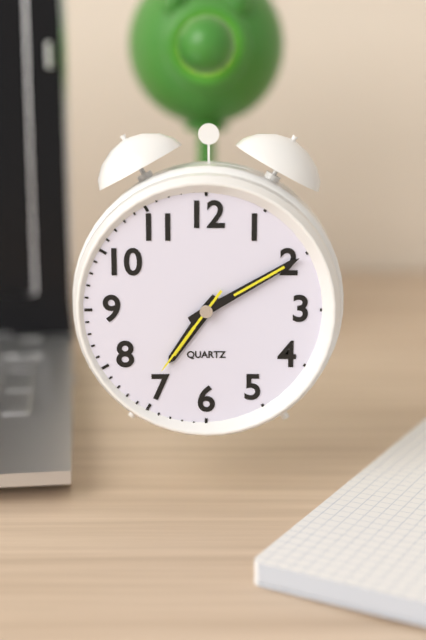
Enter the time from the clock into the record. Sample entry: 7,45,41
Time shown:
7,10,36
